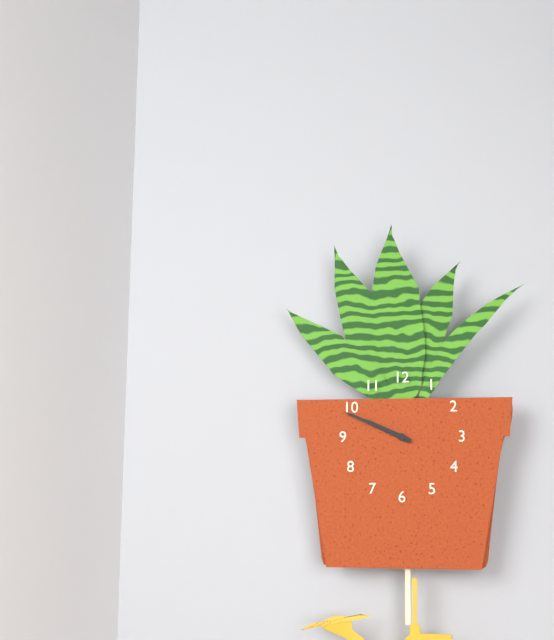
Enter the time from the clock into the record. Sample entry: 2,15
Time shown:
9,49
